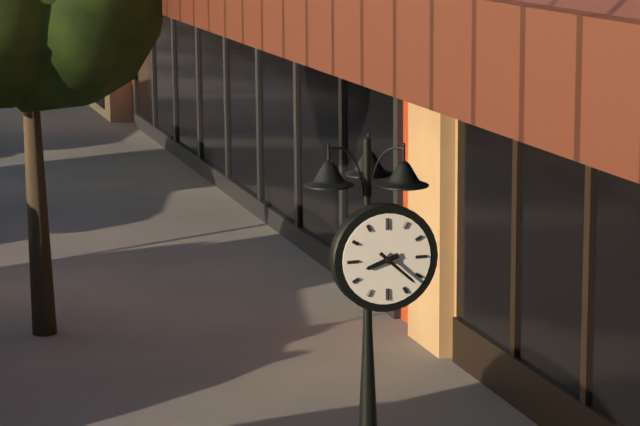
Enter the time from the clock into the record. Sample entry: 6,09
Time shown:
8,22
